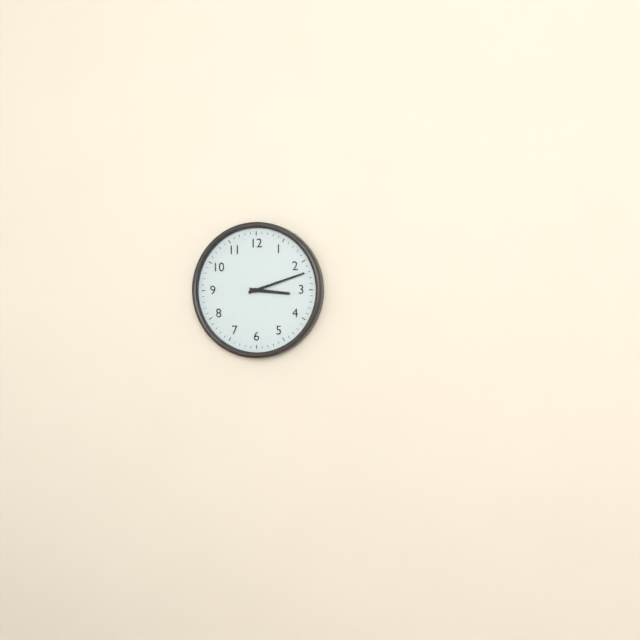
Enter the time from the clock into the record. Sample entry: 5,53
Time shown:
3,12
